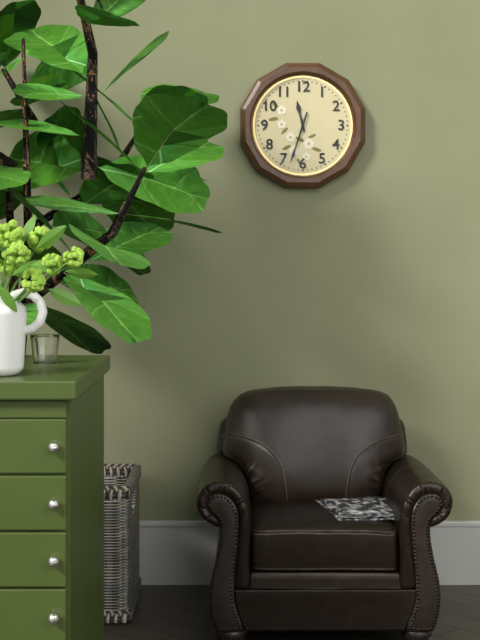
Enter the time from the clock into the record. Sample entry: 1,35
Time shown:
11,33
